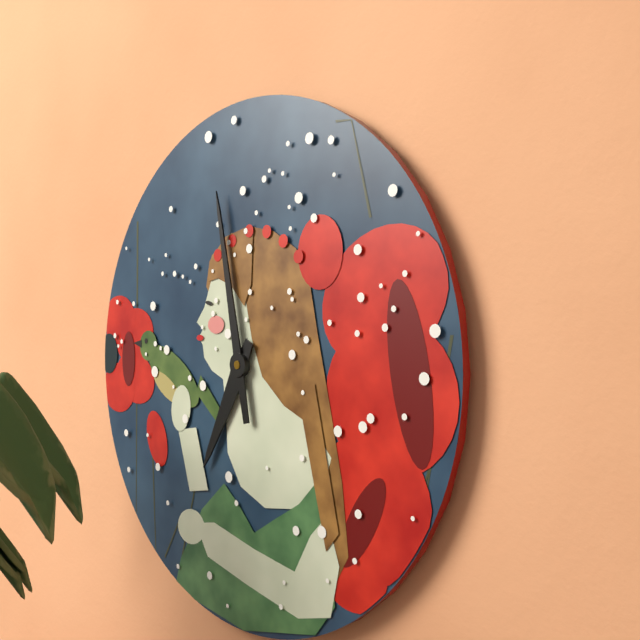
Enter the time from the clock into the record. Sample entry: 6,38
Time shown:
6,58
